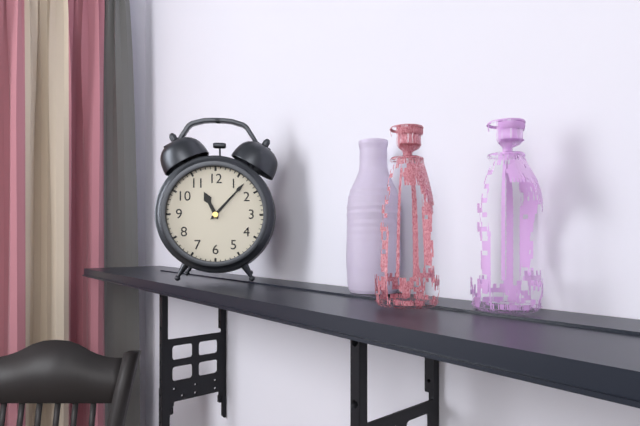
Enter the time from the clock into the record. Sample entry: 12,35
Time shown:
11,07
